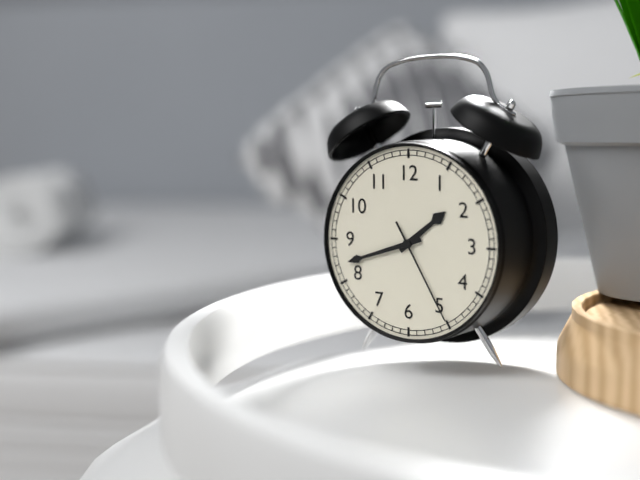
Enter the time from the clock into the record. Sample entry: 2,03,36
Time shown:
1,42,25
